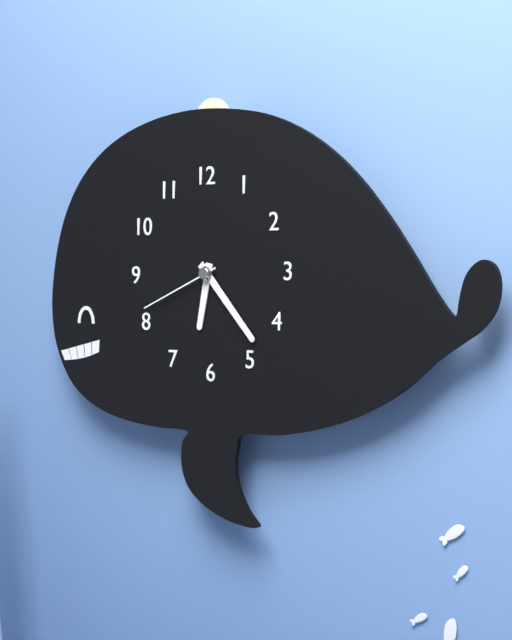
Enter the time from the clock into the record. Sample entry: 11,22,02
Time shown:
6,23,41
